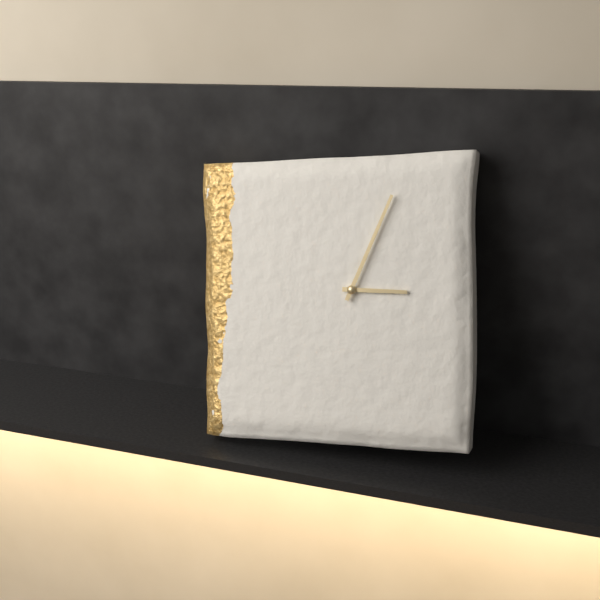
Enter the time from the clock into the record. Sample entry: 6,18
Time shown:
3,04
